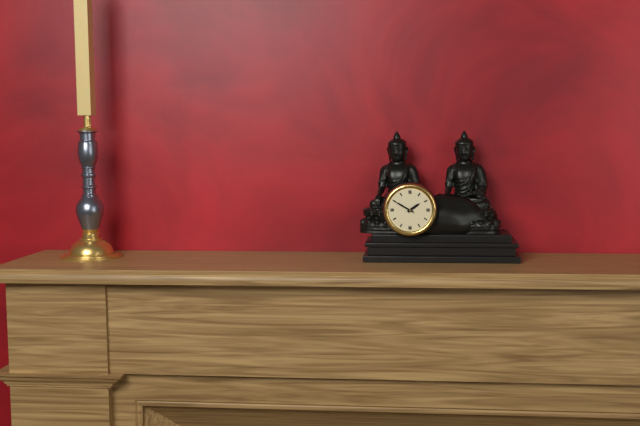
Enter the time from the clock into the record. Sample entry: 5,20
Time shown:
1,50
